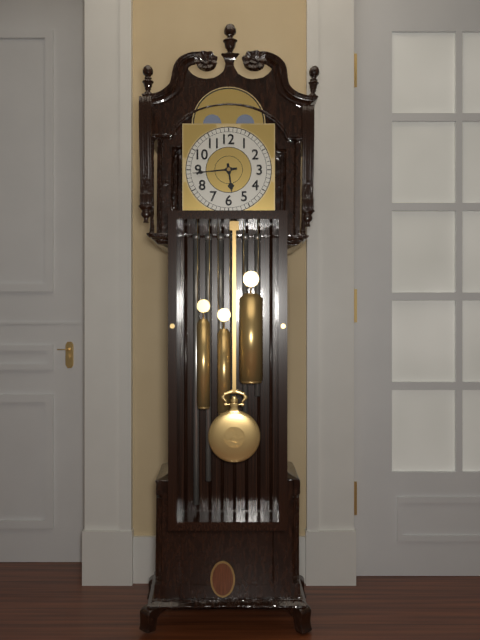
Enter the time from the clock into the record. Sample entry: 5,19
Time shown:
5,44
